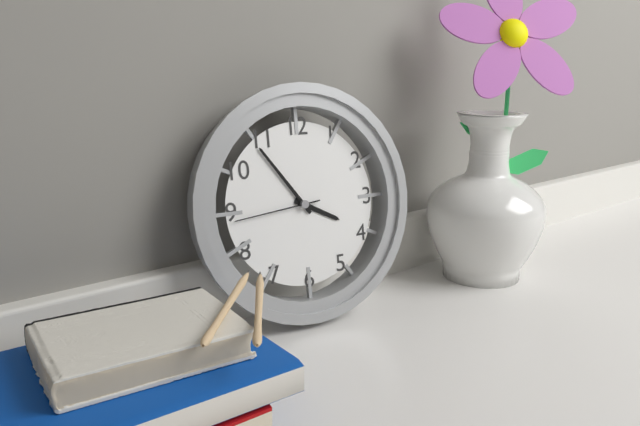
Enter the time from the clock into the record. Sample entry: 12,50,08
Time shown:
3,54,44
